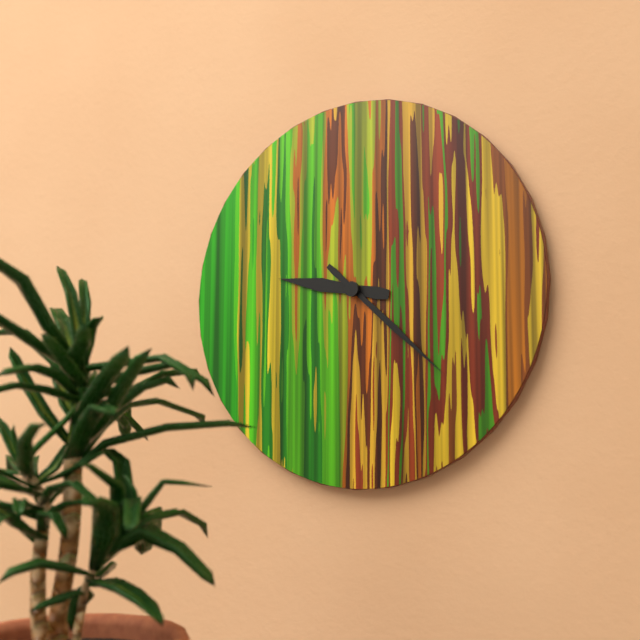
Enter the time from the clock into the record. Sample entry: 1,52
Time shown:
9,22
